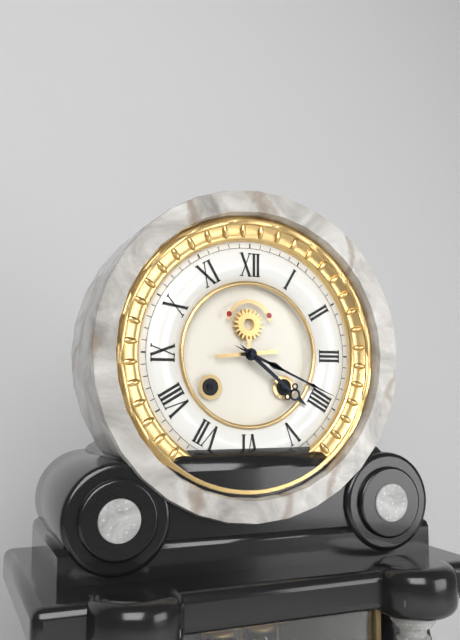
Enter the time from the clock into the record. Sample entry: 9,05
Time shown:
4,19
